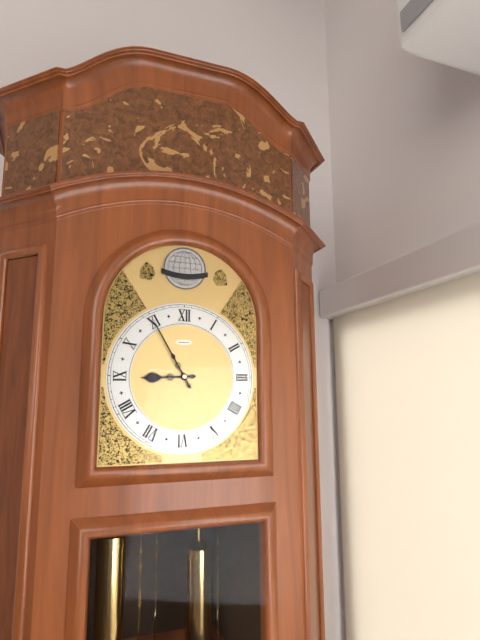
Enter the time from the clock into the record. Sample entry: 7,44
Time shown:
8,55
